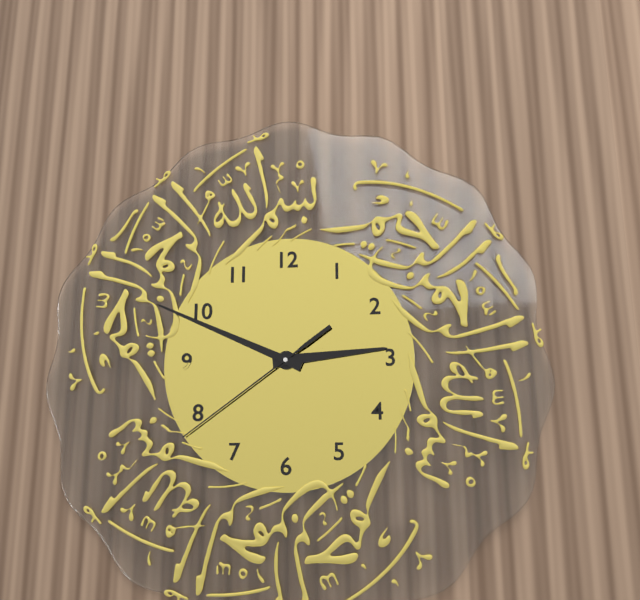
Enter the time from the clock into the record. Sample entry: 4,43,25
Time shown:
2,49,39
